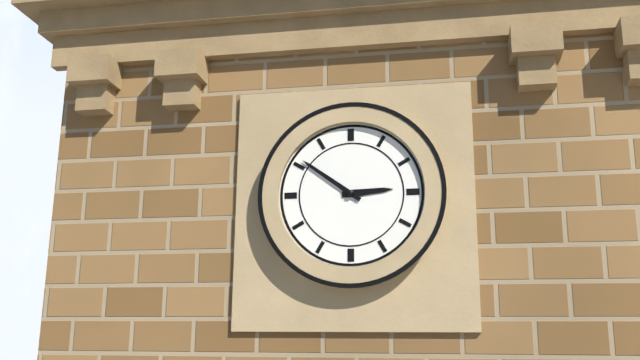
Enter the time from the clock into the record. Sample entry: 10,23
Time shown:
2,51
